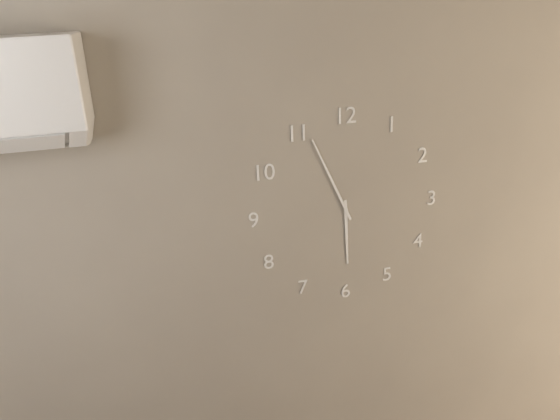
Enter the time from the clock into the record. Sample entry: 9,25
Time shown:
5,56
